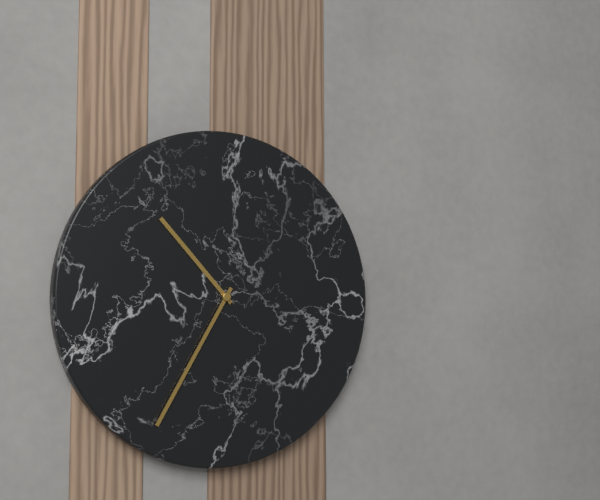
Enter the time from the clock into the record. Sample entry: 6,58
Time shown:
10,35
